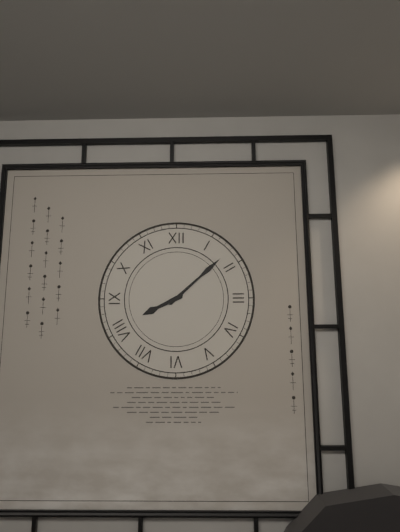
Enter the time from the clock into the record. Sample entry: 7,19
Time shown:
8,08
